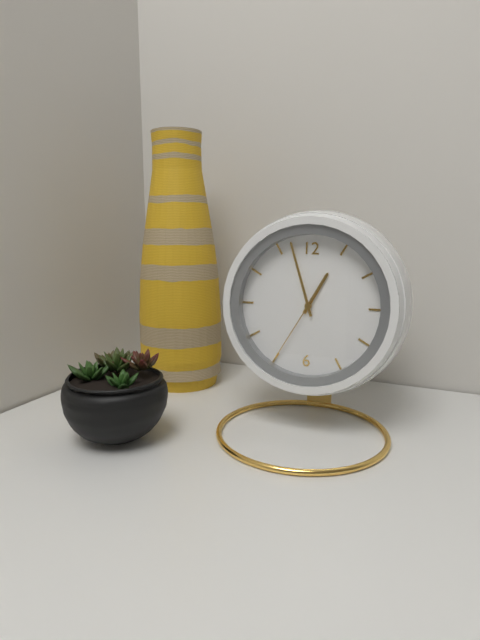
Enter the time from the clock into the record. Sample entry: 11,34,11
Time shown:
12,57,35
